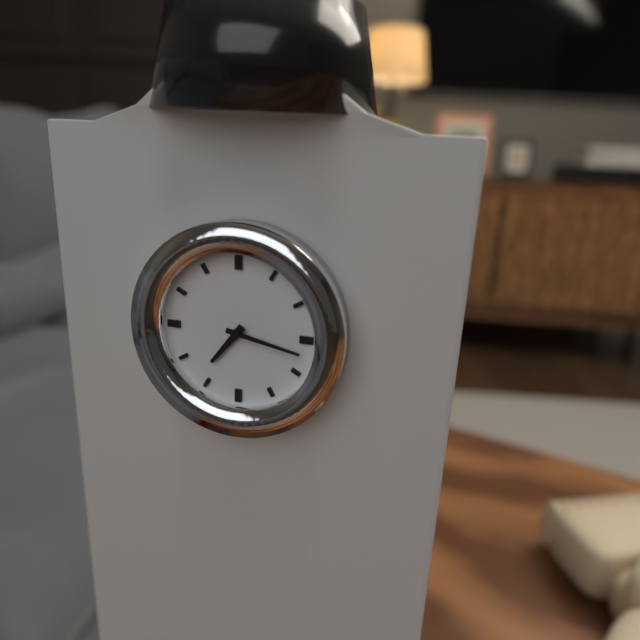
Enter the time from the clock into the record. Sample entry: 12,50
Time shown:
7,17
